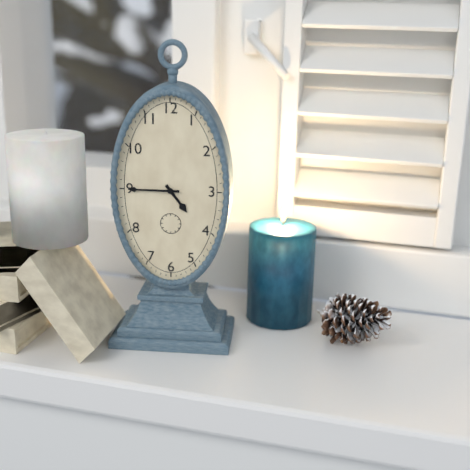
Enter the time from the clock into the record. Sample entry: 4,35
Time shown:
4,45
